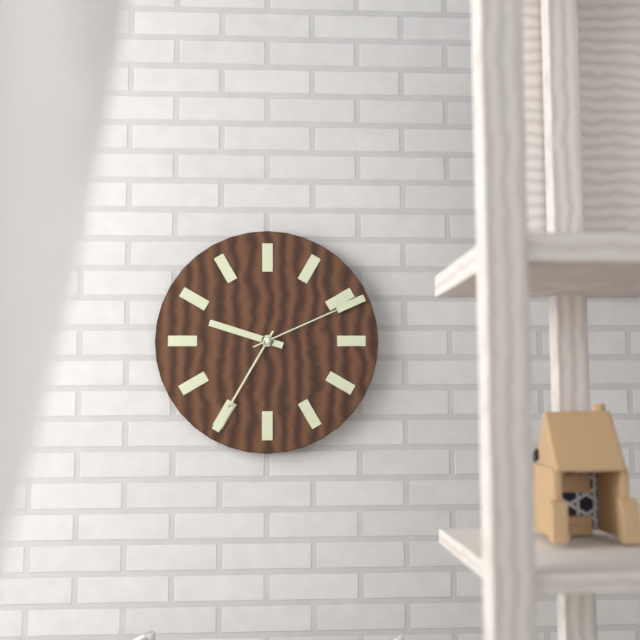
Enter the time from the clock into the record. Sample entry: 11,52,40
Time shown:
9,35,11
